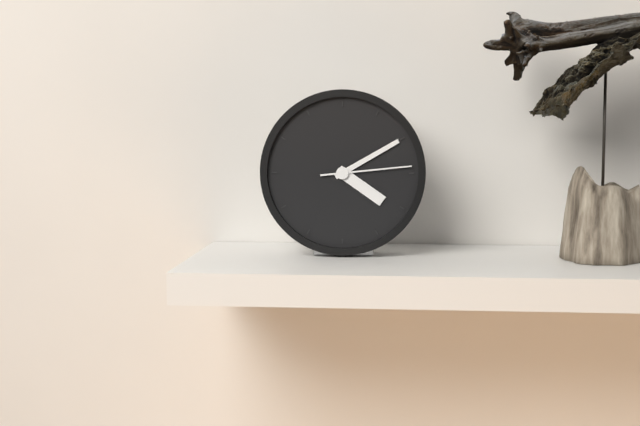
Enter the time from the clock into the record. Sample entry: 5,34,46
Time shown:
4,10,14
